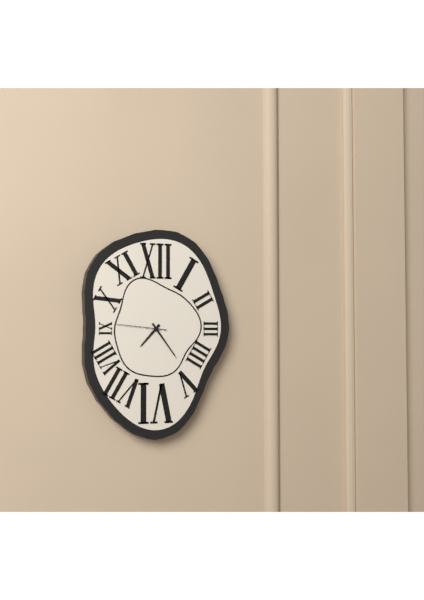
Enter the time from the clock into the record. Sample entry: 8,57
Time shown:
7,24
